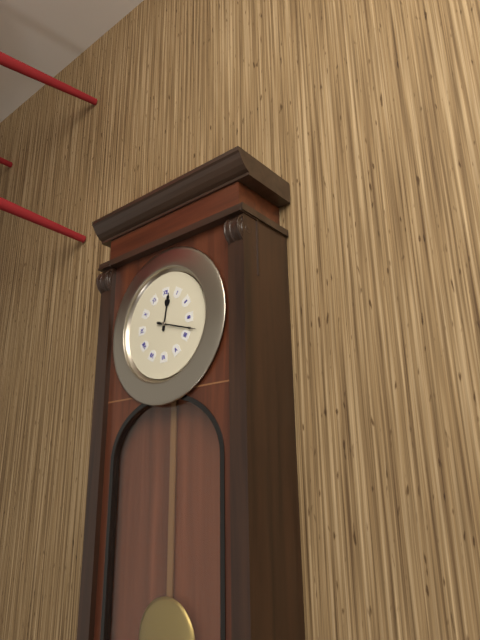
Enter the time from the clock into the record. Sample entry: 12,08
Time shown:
12,18
